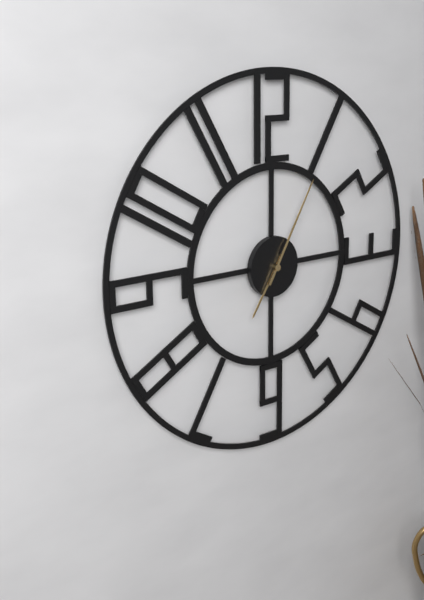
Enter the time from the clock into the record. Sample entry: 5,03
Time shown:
7,05
